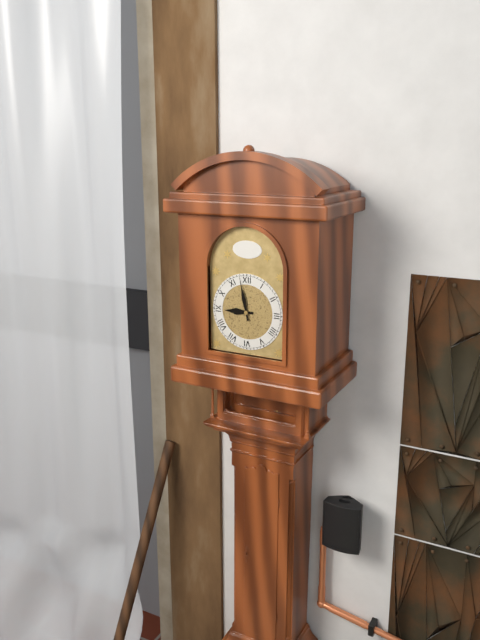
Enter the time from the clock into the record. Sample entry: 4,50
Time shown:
8,58
